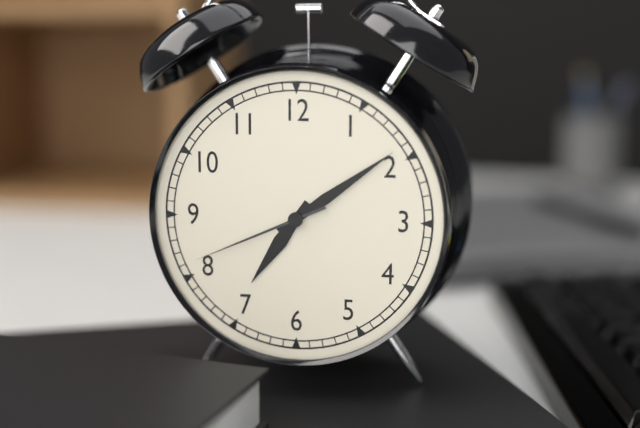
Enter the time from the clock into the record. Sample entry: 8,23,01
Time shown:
7,09,41
